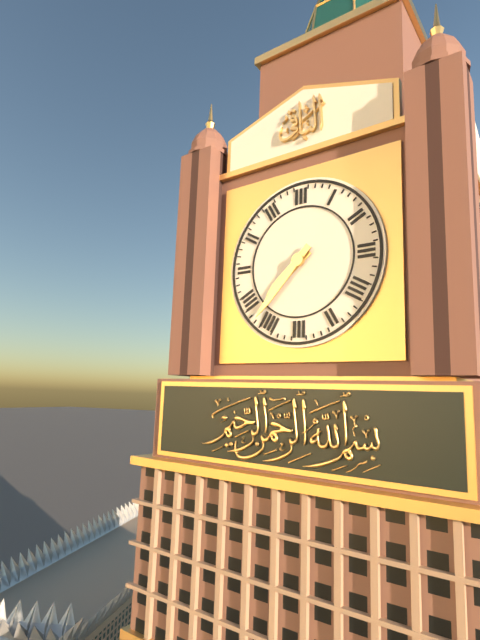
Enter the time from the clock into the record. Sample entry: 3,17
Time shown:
7,37
